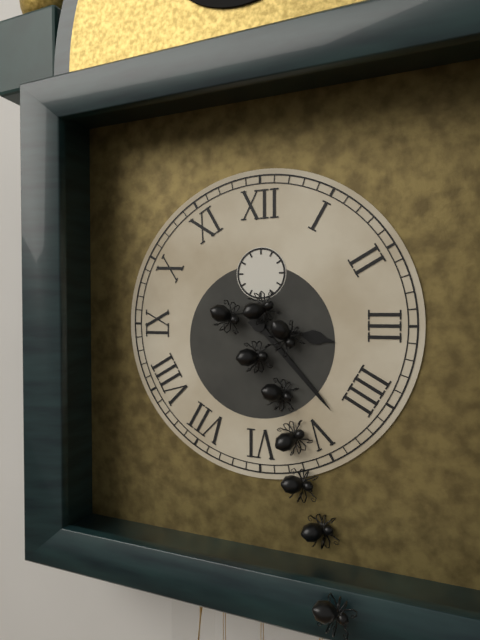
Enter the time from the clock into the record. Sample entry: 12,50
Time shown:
3,23
